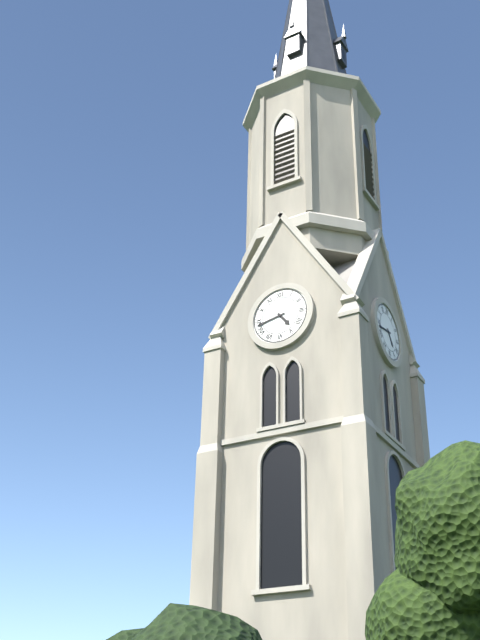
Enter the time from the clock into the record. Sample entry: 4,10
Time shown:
4,43
